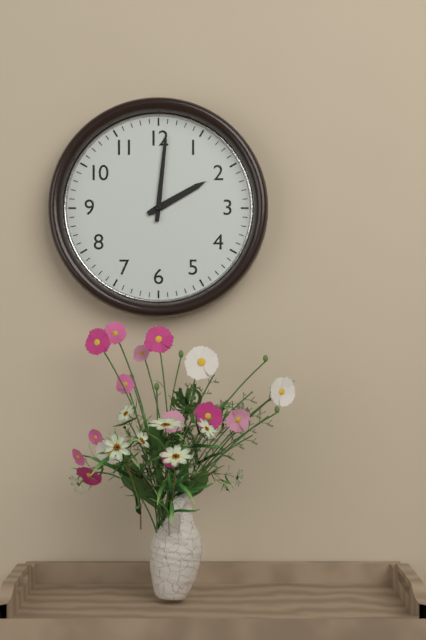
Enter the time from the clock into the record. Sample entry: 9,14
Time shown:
2,01
